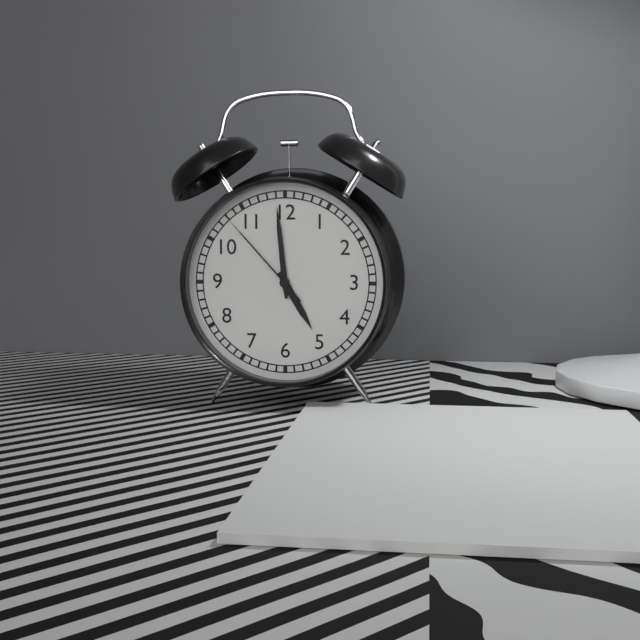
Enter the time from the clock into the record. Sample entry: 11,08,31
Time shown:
4,59,53
